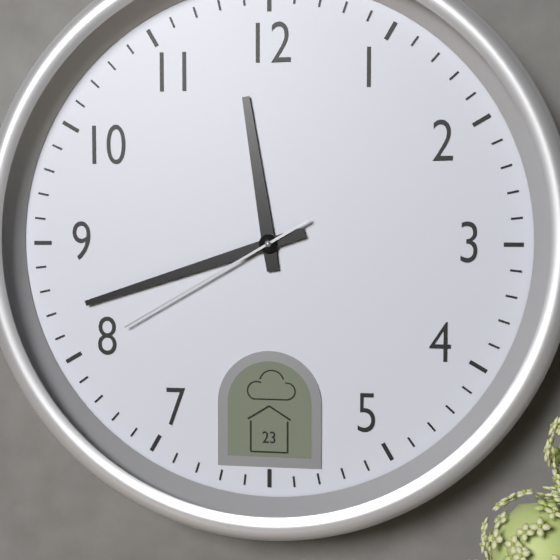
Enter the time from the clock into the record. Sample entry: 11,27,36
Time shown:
11,42,40
